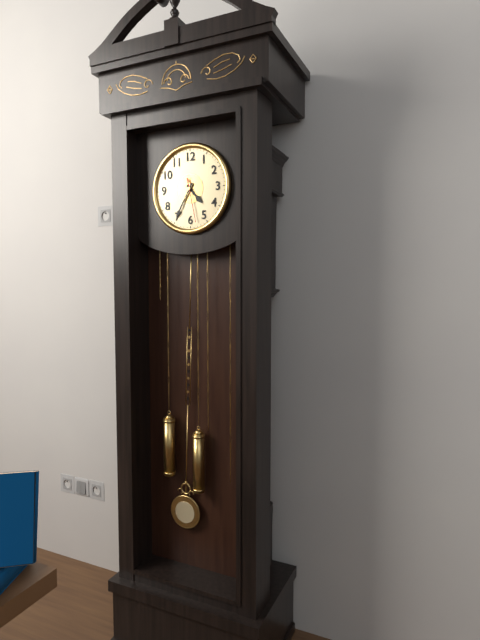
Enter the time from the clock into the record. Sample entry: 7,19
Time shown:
4,35
